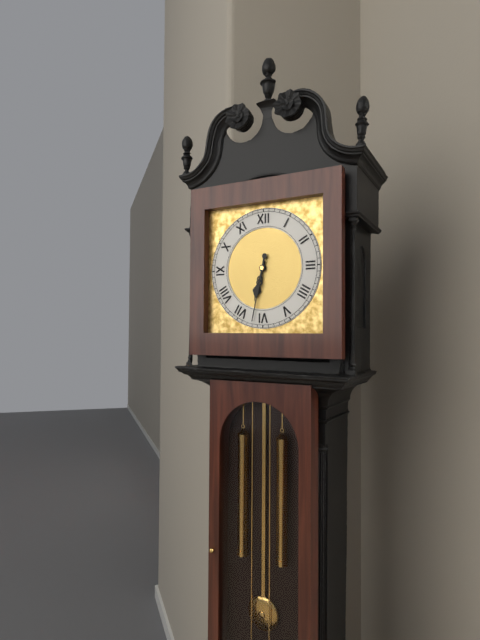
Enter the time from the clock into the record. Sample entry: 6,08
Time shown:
6,32
